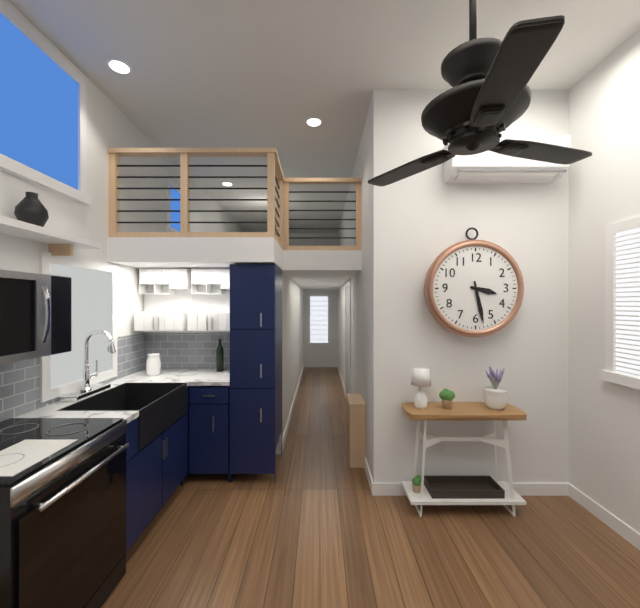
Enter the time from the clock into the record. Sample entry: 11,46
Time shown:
3,28
